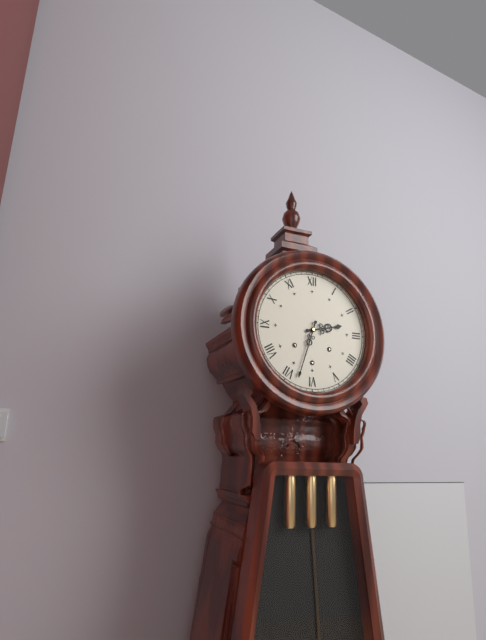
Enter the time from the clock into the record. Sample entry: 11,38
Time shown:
2,33
